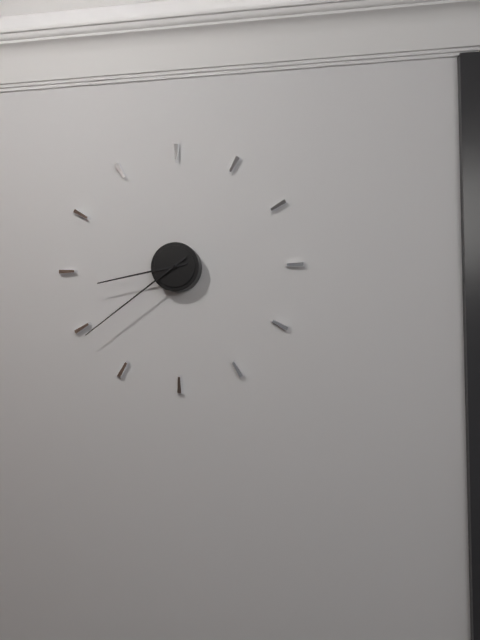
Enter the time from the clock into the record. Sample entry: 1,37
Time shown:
8,39
